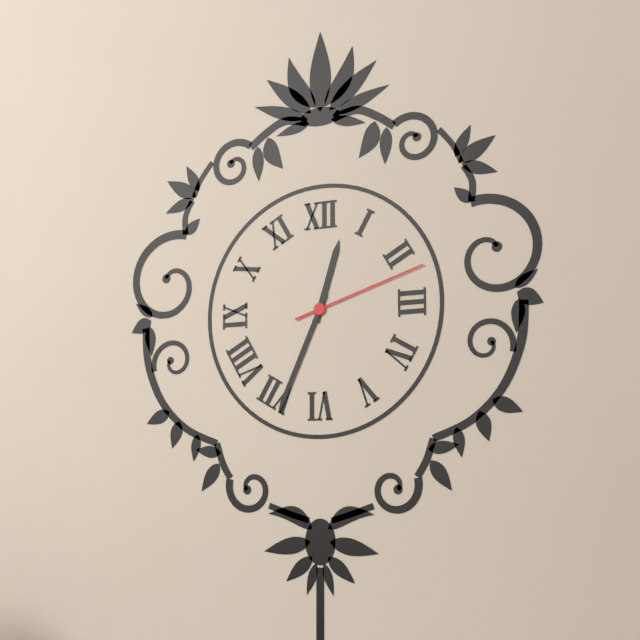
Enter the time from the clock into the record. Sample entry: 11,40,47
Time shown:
12,34,12
